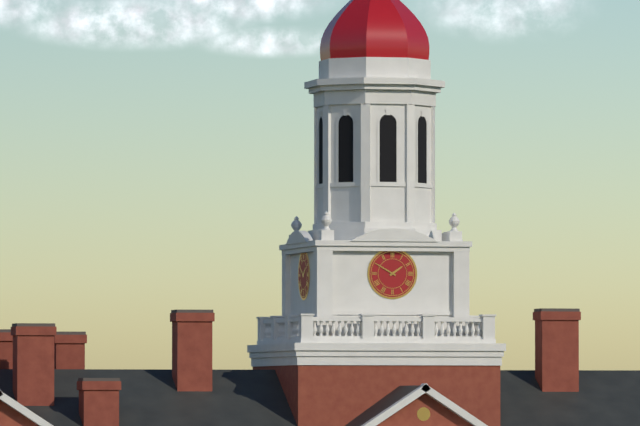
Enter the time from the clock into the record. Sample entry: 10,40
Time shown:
1,50
